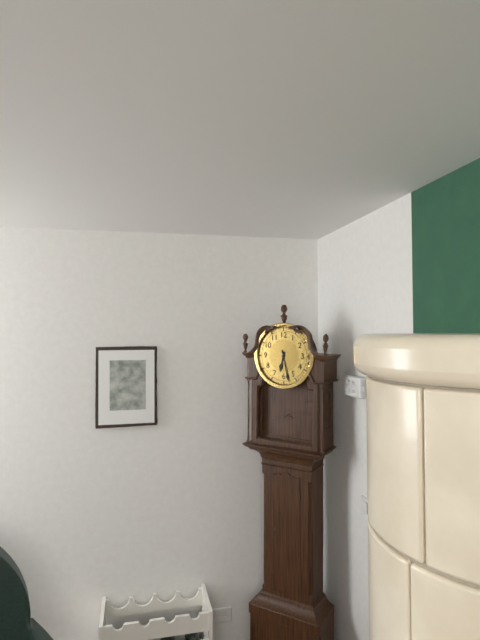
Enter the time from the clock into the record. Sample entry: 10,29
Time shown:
6,28
